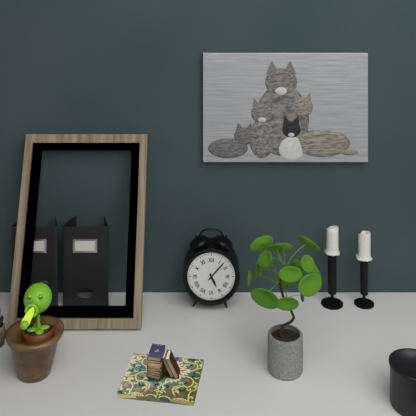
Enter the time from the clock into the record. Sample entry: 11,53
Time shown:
5,07
